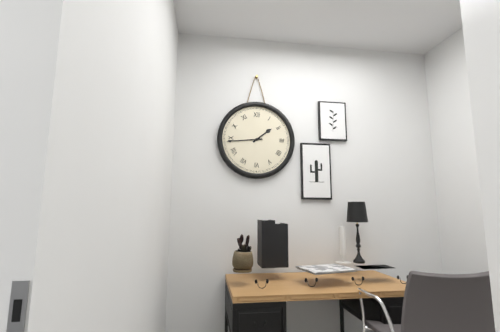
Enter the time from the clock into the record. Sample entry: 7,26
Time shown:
1,44
